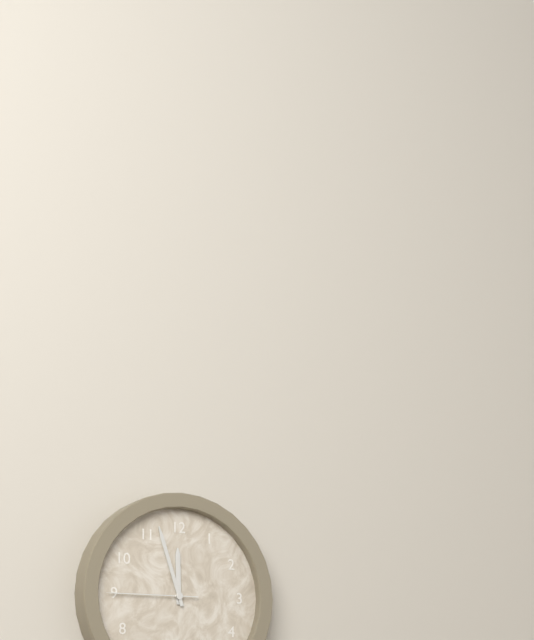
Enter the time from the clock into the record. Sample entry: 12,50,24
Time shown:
11,57,45
